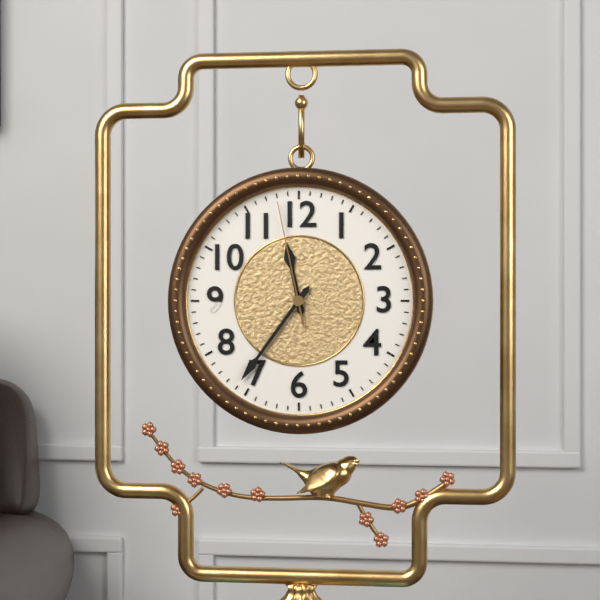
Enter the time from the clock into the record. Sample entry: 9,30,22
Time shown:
11,36,58
